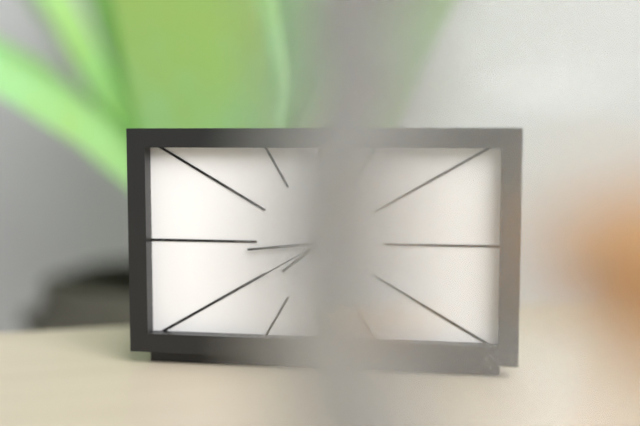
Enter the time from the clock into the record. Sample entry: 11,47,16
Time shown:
7,44,40
